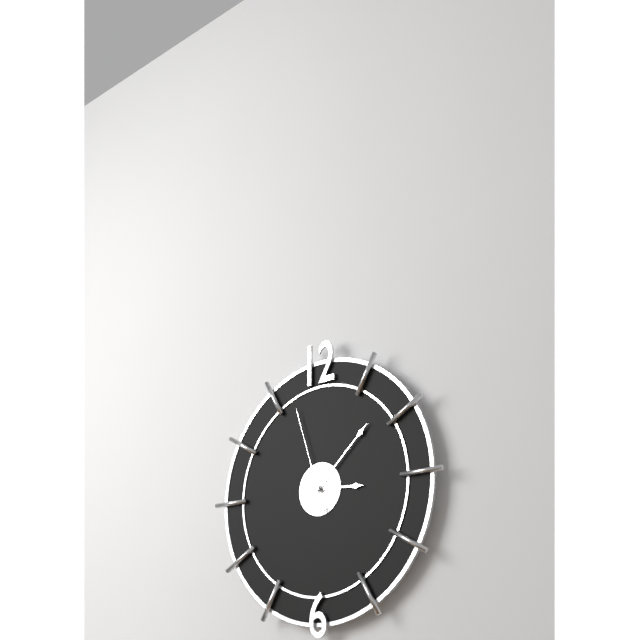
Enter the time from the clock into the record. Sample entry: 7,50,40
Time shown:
3,08,57
